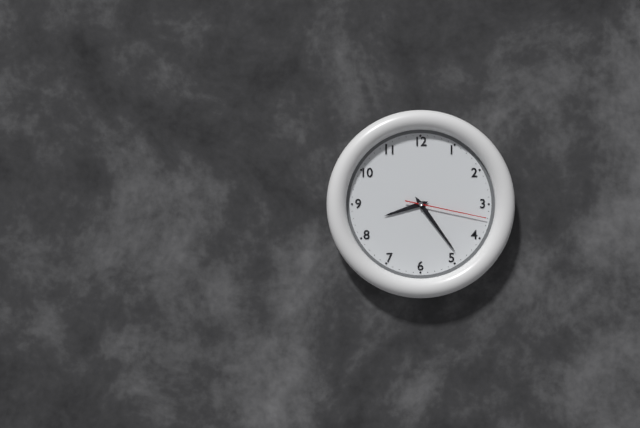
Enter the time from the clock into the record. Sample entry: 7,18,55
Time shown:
8,24,17
